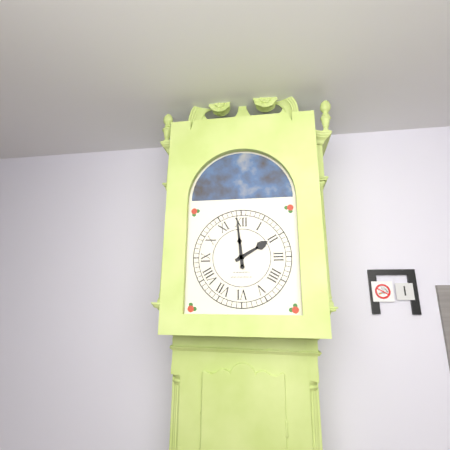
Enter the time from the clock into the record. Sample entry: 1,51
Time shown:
1,59
